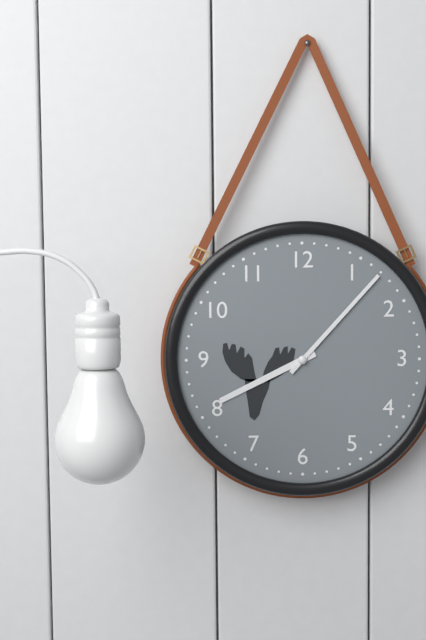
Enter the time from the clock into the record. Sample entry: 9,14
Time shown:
8,07
